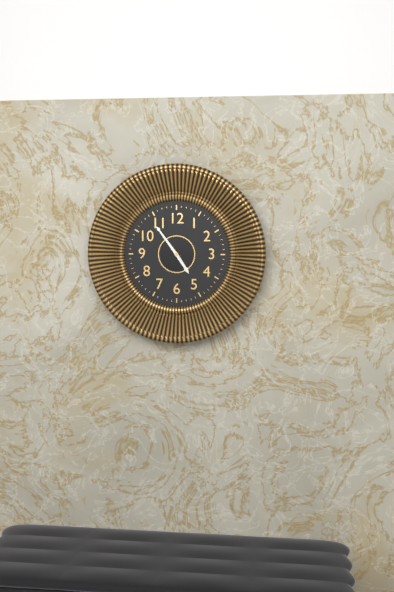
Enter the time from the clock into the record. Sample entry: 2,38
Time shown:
4,54
